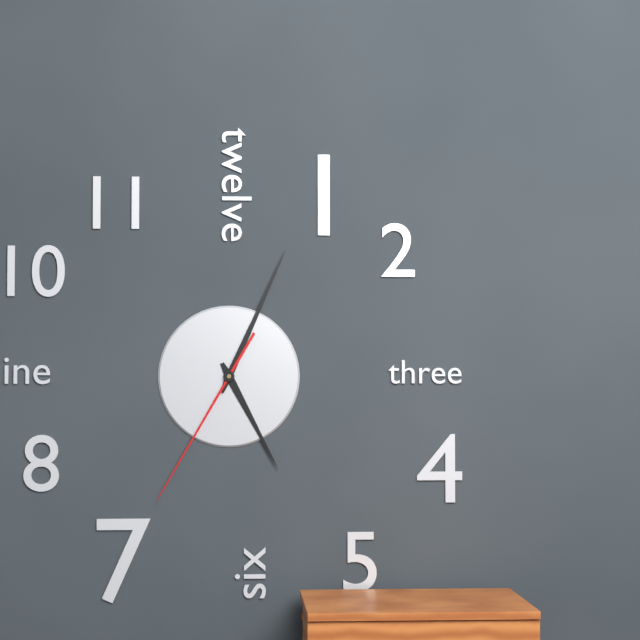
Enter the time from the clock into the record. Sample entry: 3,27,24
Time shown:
5,04,35
